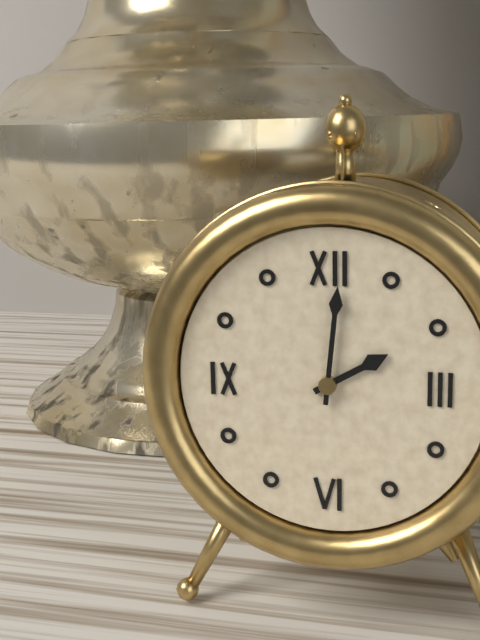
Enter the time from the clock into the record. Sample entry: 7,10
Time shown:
2,01
